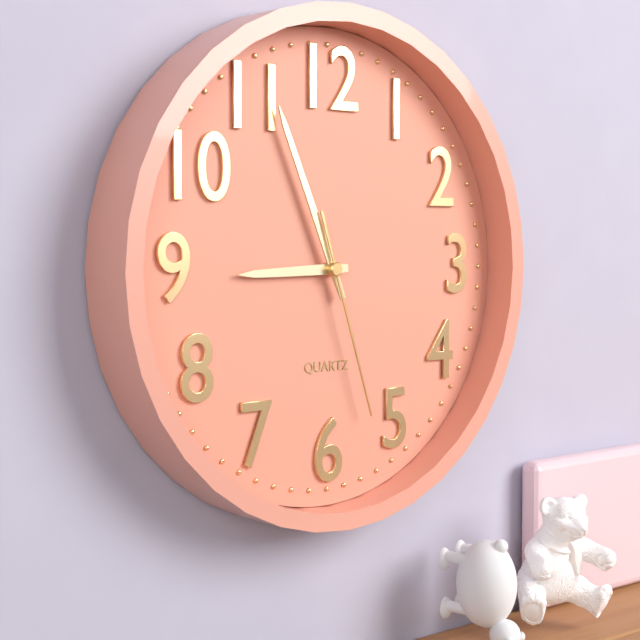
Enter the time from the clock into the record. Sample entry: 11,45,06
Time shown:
8,56,27
